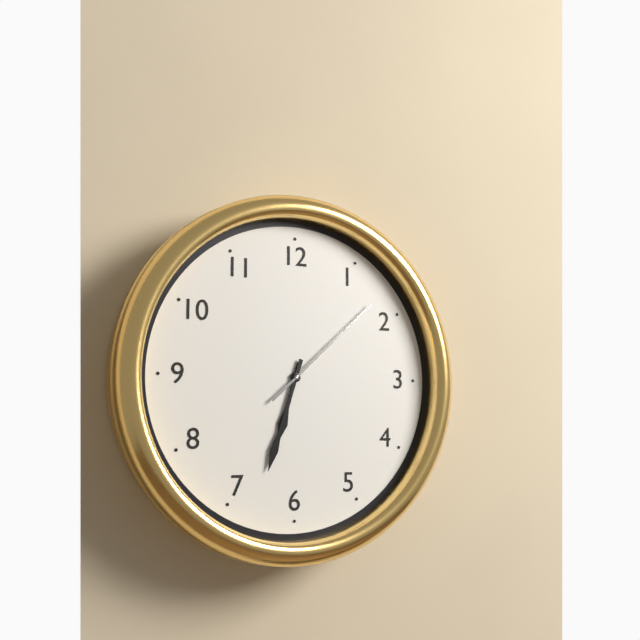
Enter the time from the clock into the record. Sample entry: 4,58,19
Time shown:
6,33,08
